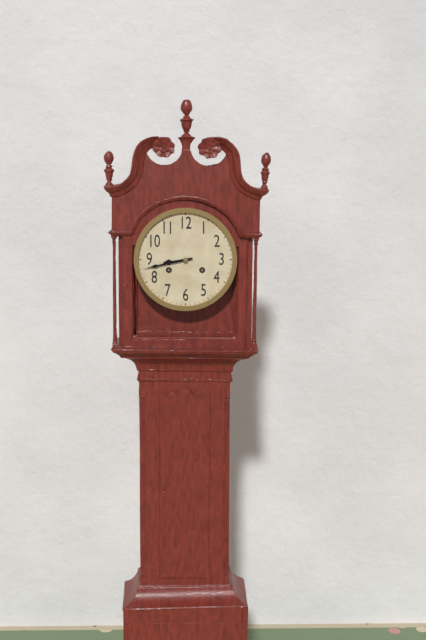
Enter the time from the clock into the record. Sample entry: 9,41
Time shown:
8,43
